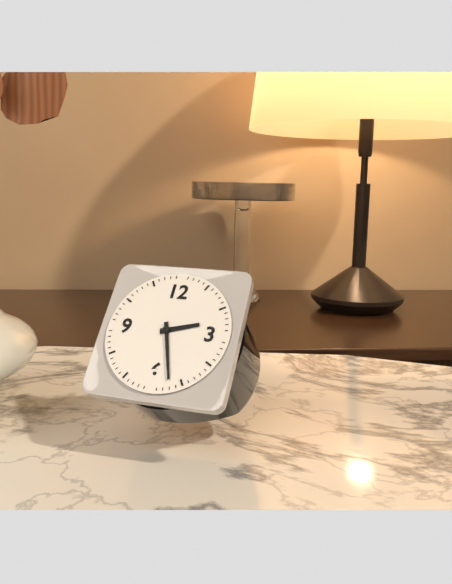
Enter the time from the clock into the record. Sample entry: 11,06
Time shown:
2,27
